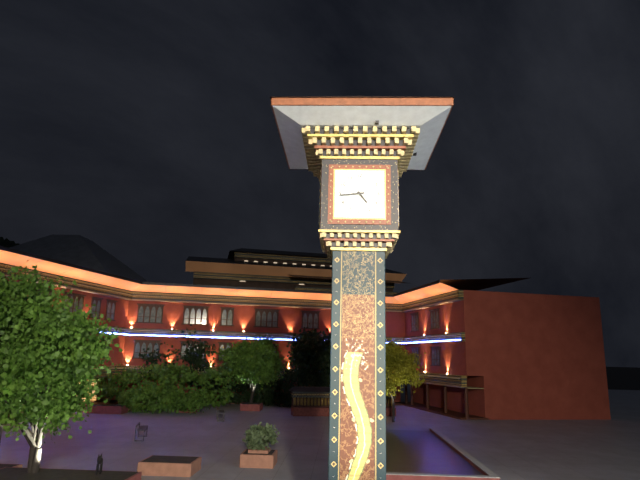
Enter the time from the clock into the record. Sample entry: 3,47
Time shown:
4,44
